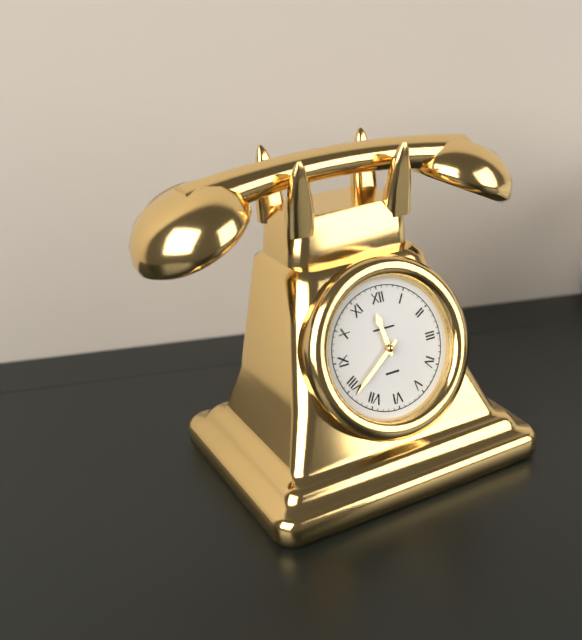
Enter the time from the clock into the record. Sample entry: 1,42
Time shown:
11,39
